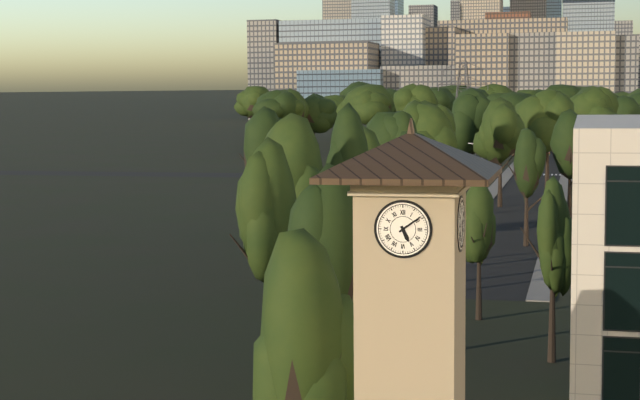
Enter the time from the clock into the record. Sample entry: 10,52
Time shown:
5,09
